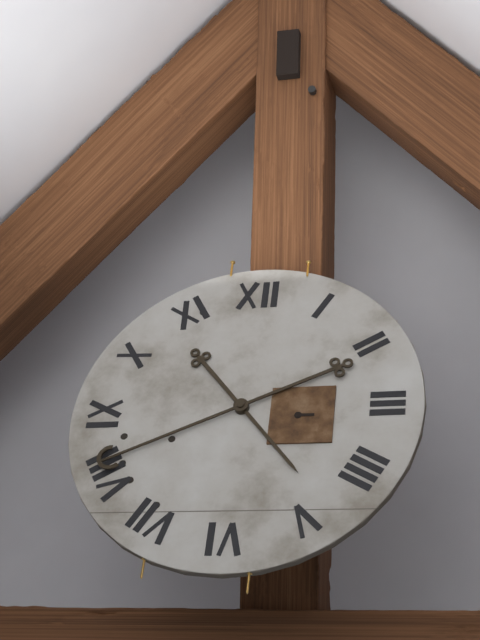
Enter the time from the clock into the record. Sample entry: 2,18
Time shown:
4,41
